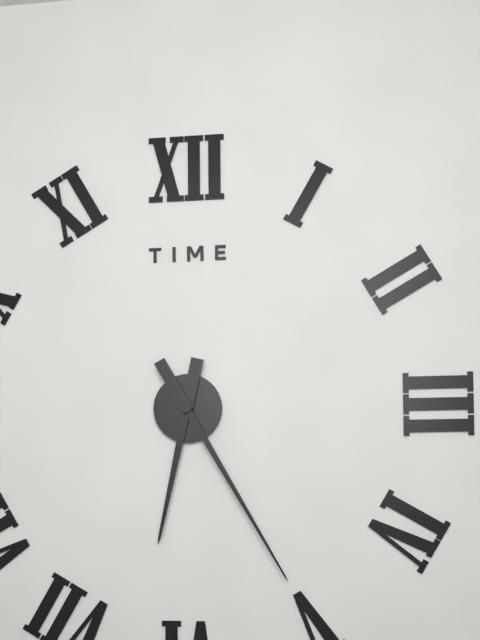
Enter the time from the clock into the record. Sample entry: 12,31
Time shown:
6,25
